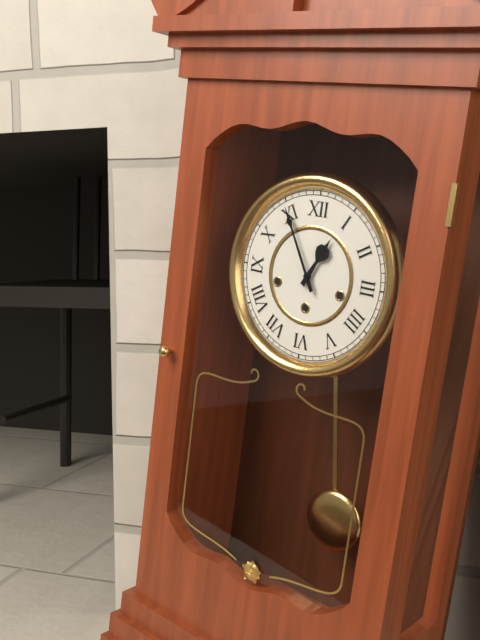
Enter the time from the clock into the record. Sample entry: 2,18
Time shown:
12,55
